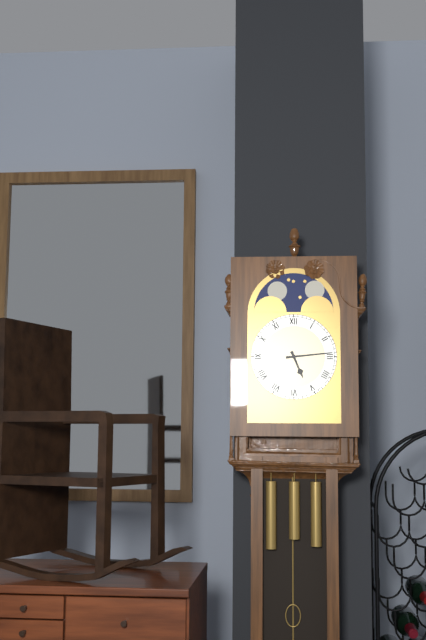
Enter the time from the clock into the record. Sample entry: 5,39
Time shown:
5,14
